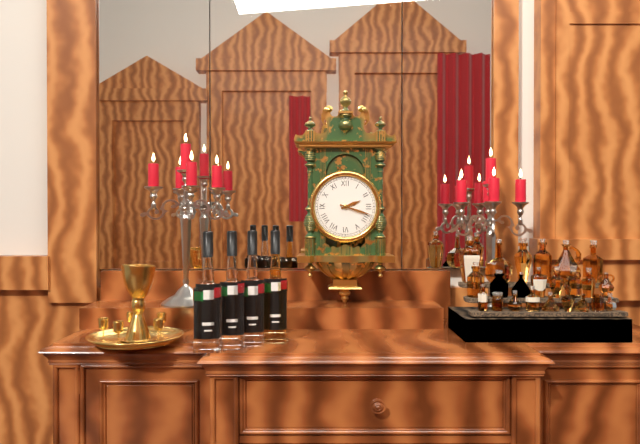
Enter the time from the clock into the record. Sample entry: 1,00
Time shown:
2,18
